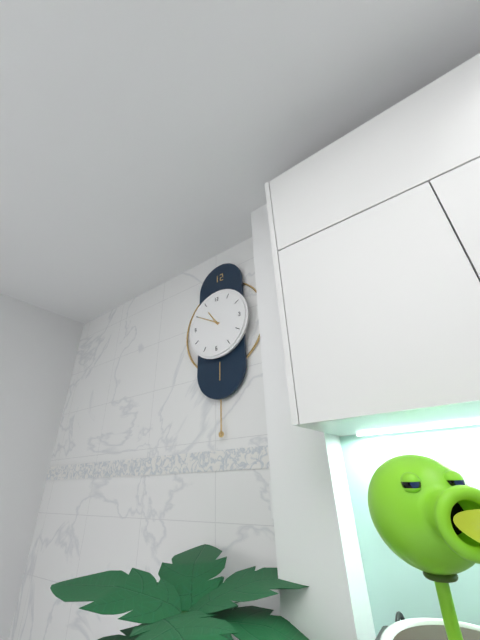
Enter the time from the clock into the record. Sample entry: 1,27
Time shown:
10,50
